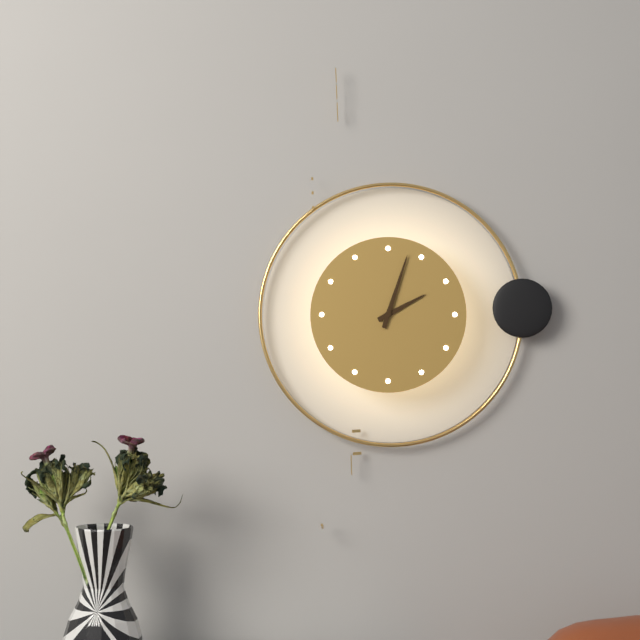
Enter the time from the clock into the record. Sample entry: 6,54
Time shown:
2,03
